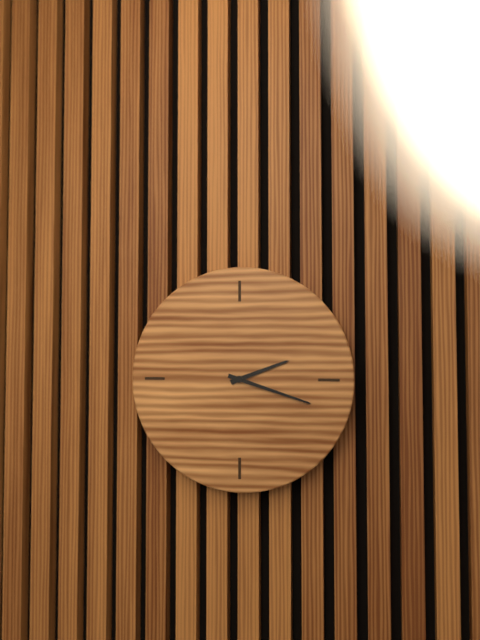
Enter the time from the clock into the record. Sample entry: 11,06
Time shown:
2,18
